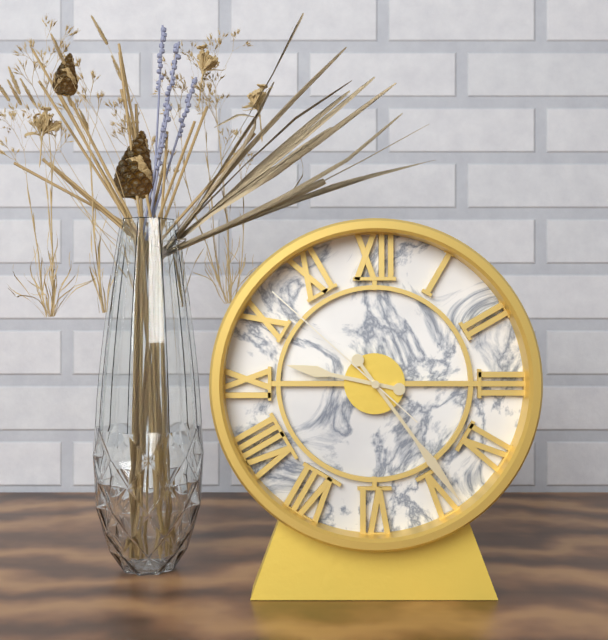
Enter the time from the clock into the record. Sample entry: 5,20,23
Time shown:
9,24,52
